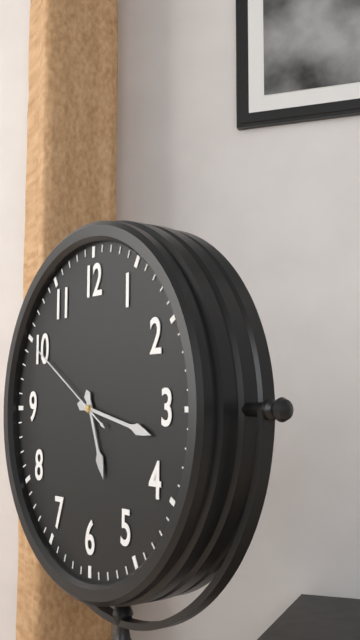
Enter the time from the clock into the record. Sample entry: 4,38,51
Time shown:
5,17,50
